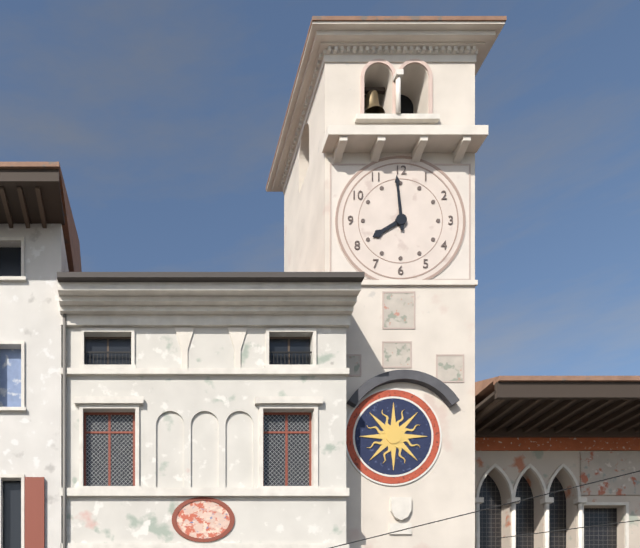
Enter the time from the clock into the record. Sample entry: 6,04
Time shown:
7,59
